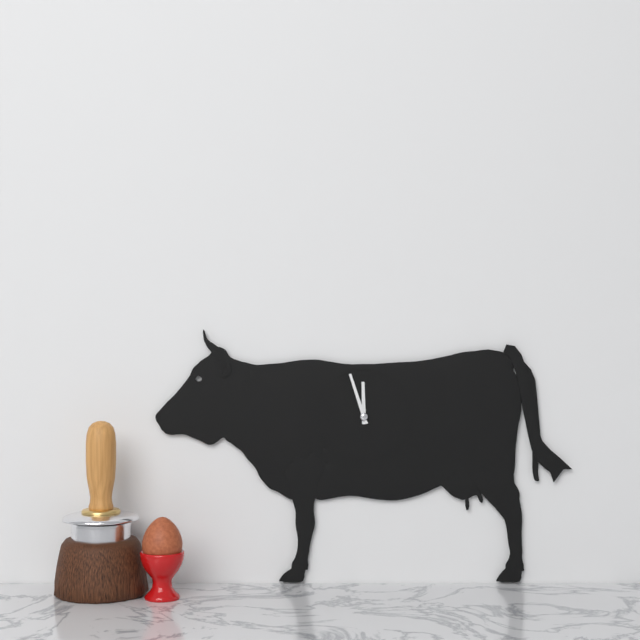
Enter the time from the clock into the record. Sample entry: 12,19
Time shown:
11,57
